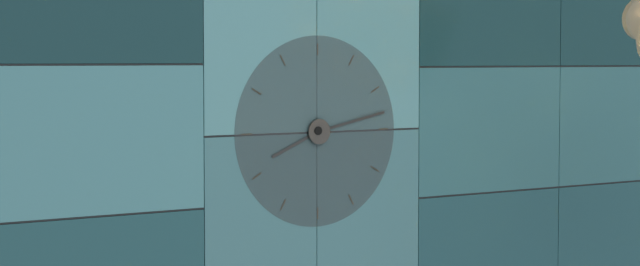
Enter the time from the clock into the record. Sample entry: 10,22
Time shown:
8,13
